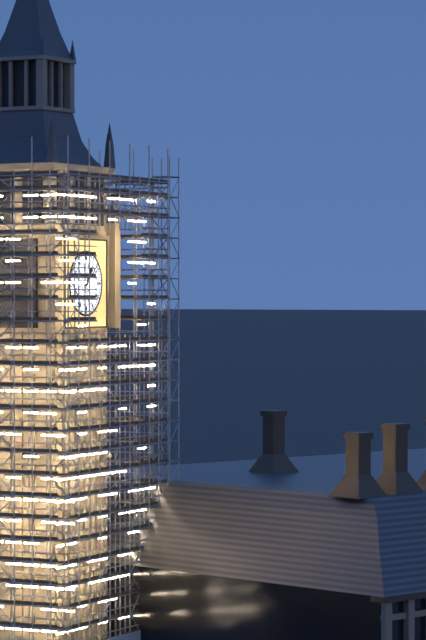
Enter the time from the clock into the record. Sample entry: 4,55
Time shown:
1,08
